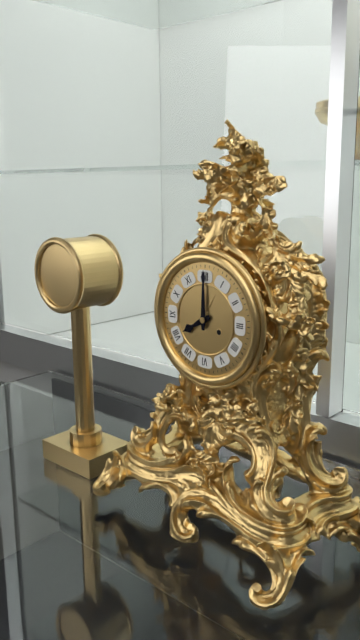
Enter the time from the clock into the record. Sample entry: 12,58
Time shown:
8,00
